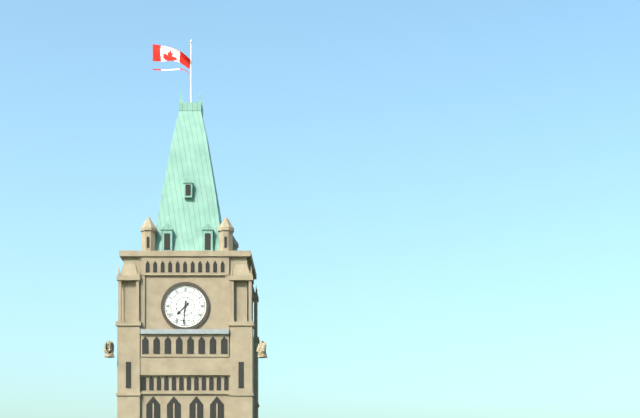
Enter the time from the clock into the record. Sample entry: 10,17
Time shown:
7,31
